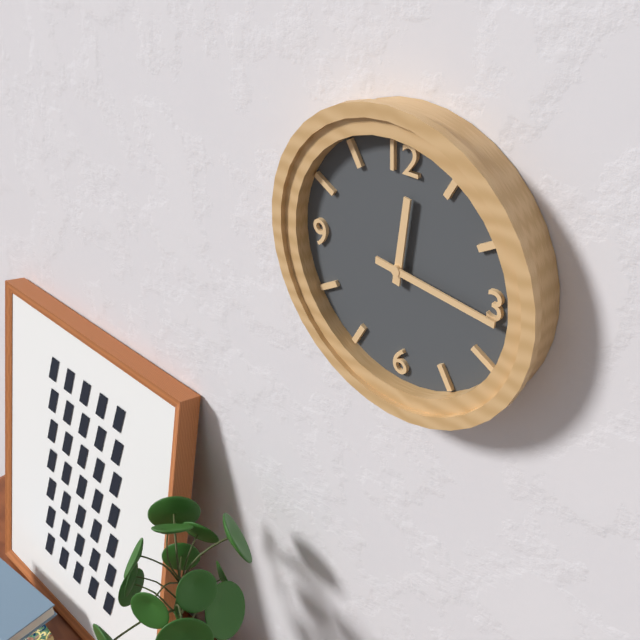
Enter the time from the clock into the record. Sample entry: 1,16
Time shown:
12,16
